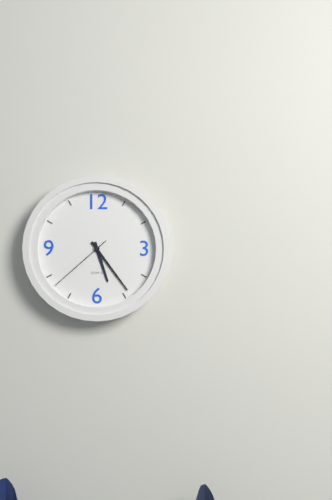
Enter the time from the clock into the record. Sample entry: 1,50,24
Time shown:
5,24,38
